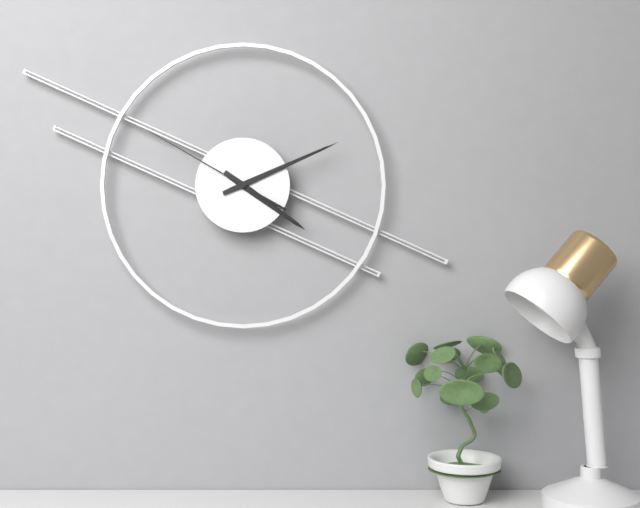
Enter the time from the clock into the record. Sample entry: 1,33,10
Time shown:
4,11,50
